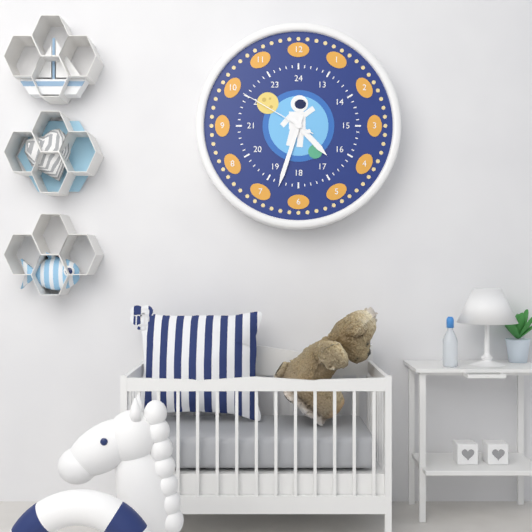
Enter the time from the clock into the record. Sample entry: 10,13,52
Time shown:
4,33,50
